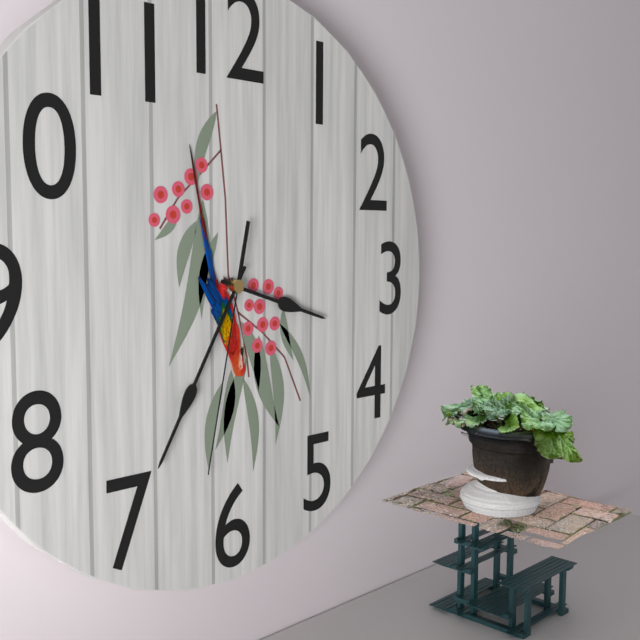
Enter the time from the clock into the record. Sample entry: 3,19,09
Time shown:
3,35,32
